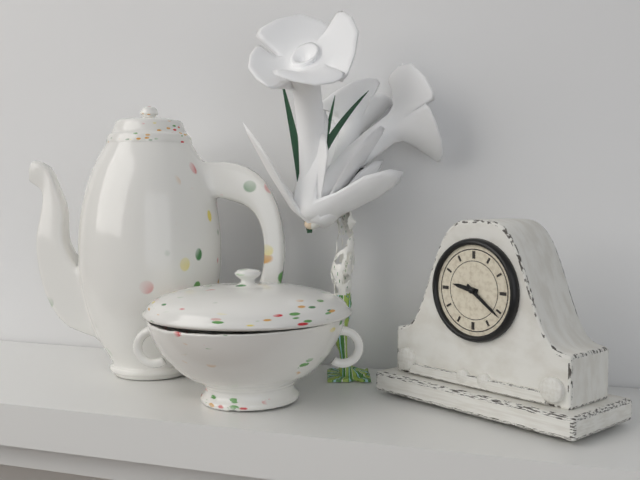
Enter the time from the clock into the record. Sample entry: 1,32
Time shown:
9,21
